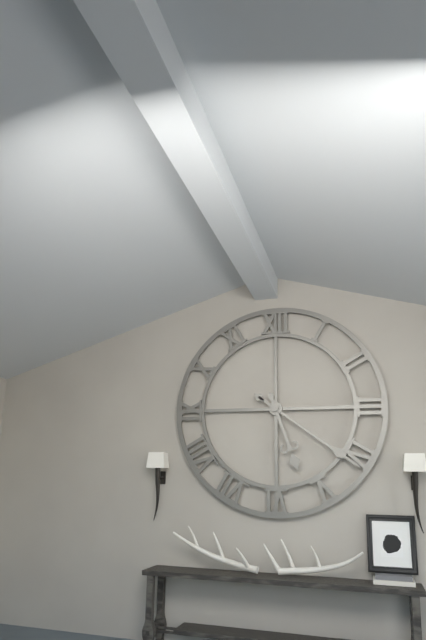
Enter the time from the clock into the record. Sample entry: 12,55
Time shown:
5,21
